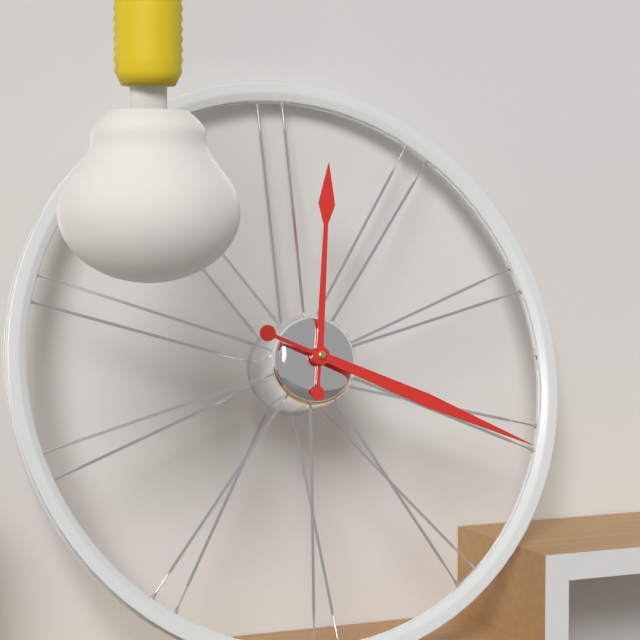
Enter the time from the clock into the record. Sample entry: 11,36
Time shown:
12,19
